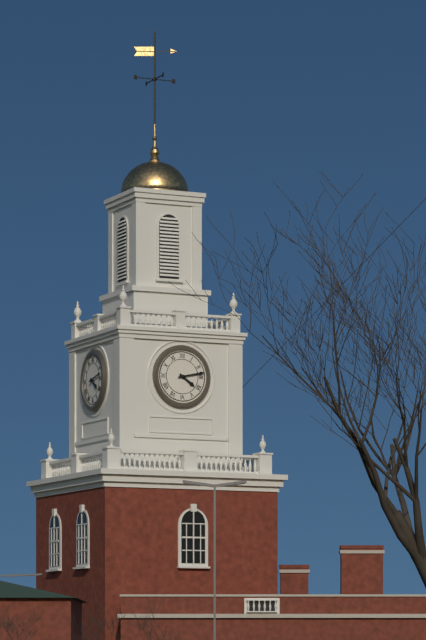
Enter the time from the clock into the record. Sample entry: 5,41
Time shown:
4,13
